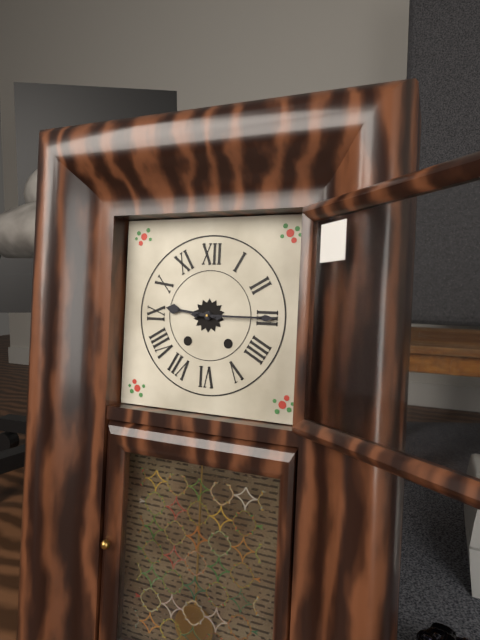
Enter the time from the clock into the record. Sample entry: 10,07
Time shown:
9,15
